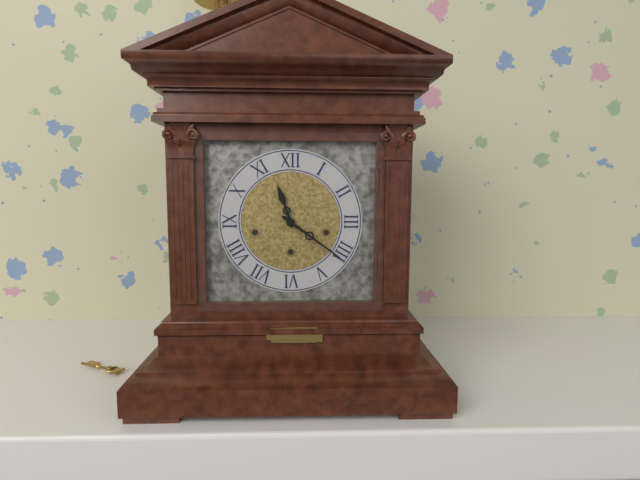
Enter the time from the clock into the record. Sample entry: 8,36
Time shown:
11,21
